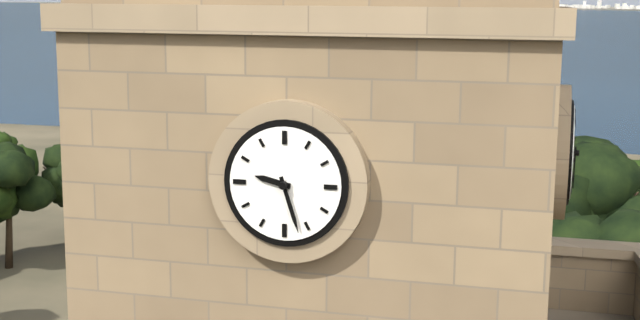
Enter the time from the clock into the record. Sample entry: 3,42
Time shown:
9,27
